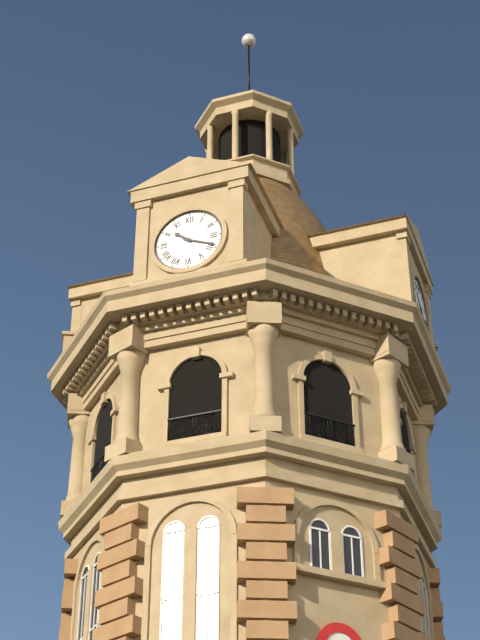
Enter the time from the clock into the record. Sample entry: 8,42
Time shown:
10,19
